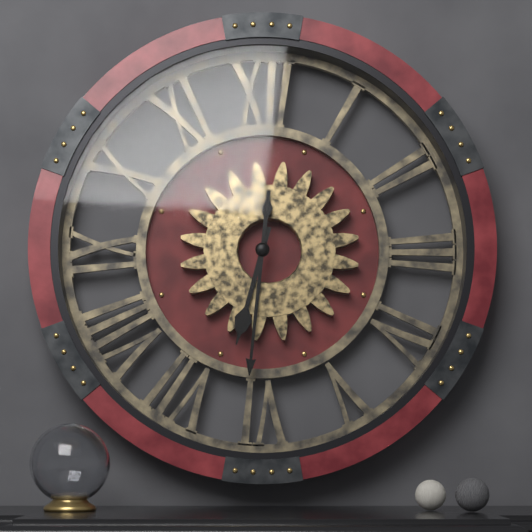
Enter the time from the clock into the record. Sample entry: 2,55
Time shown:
6,31
